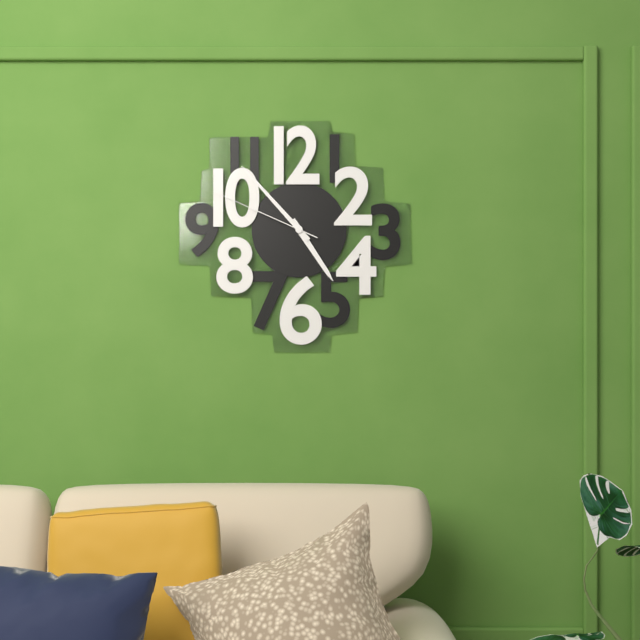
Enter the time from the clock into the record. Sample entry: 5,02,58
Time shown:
4,53,49
